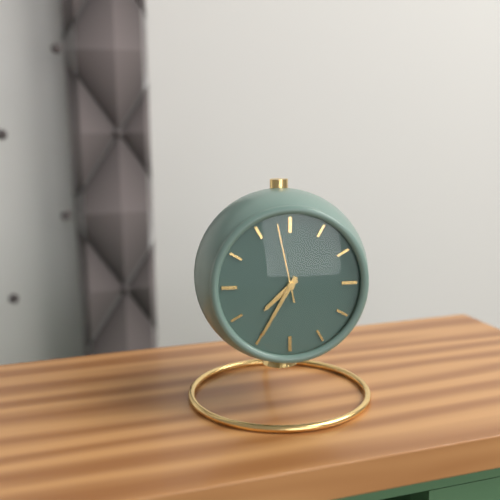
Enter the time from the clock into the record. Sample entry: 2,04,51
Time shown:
7,35,58
